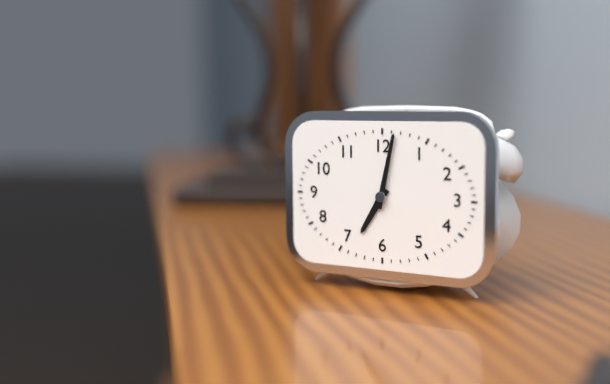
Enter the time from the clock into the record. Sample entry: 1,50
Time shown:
7,02
